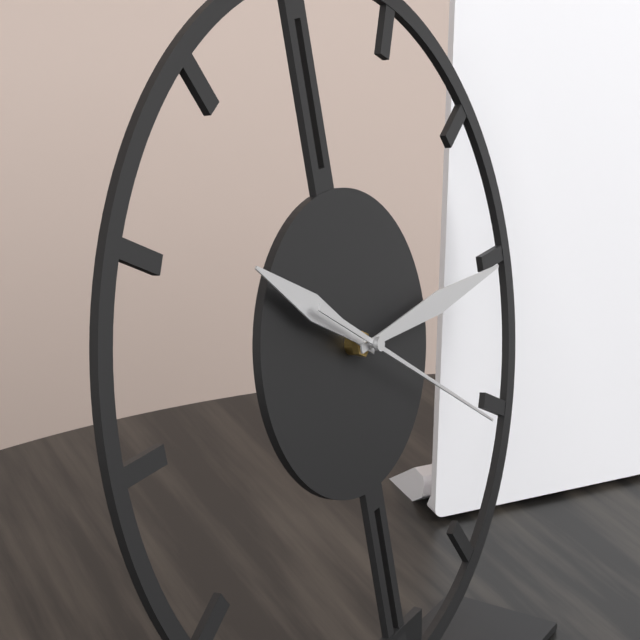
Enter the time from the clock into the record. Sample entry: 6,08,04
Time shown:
10,15,21
